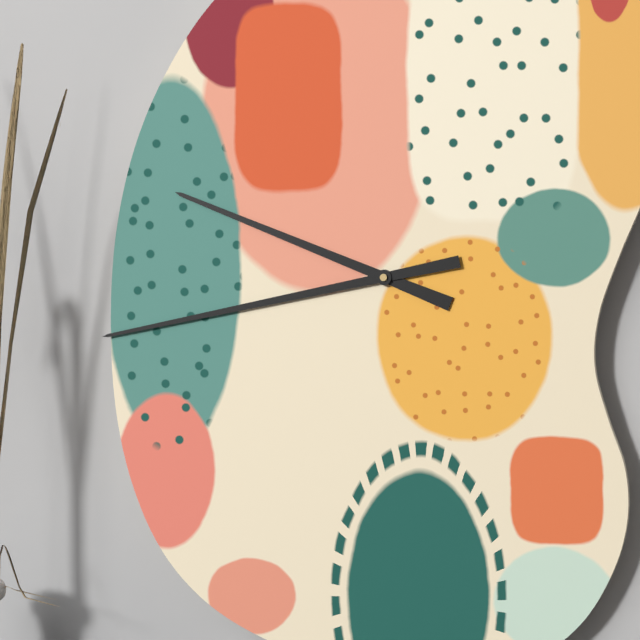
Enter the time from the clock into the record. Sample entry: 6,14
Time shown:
9,43
